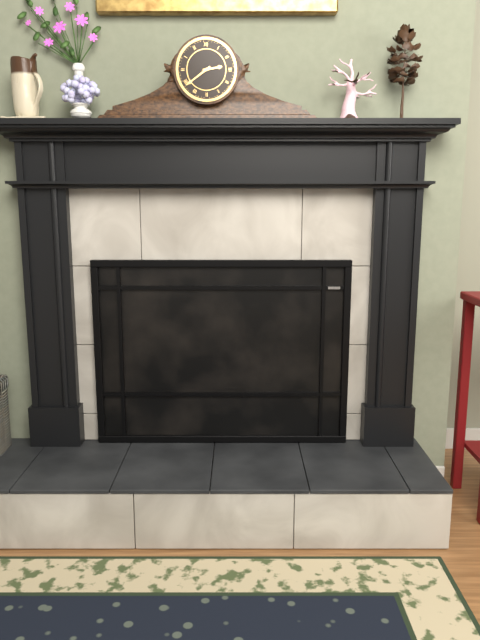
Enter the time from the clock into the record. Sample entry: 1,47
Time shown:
2,39
